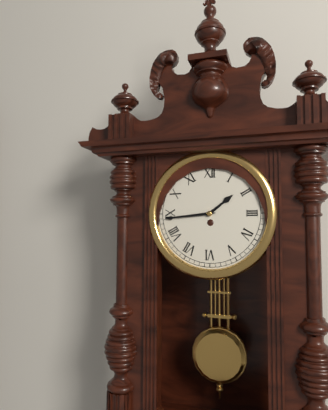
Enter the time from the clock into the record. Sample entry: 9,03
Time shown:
1,44
